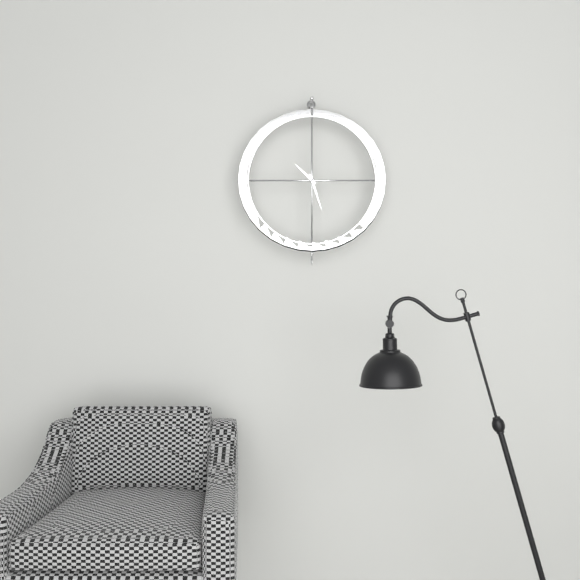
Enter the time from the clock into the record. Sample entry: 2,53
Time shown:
10,27
